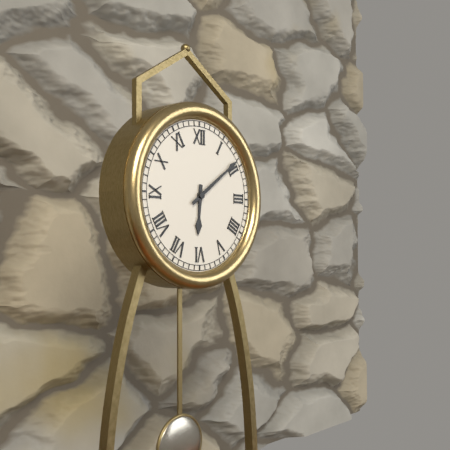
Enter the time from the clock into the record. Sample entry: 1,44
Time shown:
6,09
